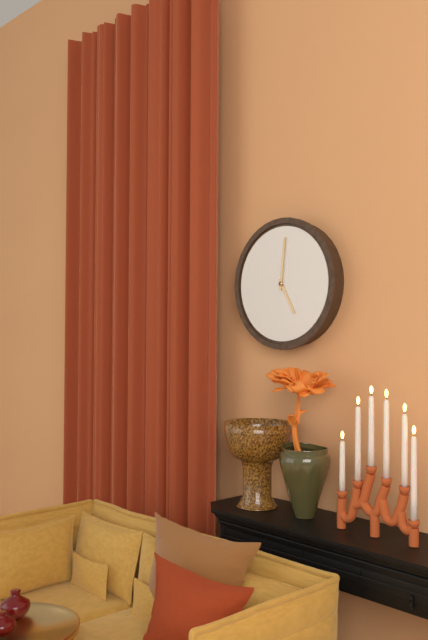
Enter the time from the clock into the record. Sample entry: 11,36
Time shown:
5,01
